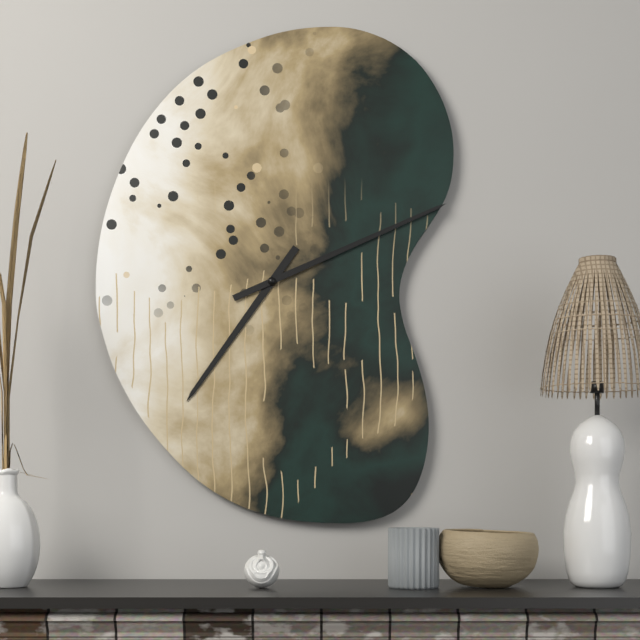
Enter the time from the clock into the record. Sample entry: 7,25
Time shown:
7,11
